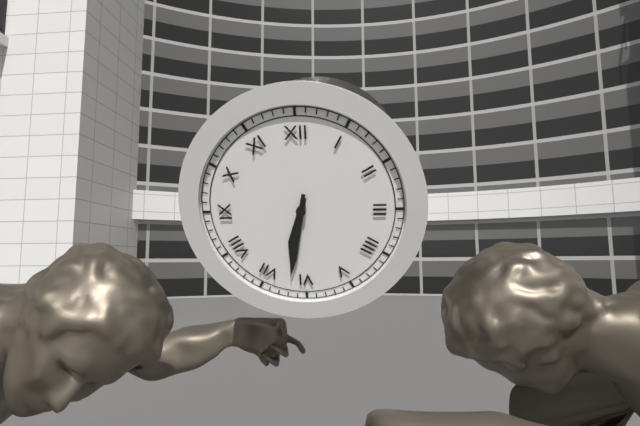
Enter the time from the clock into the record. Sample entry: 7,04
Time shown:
6,32
